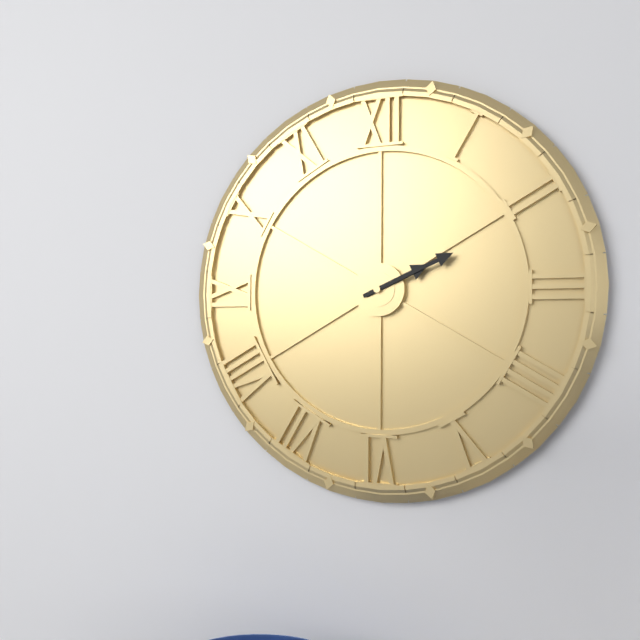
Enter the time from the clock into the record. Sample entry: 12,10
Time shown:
2,11
